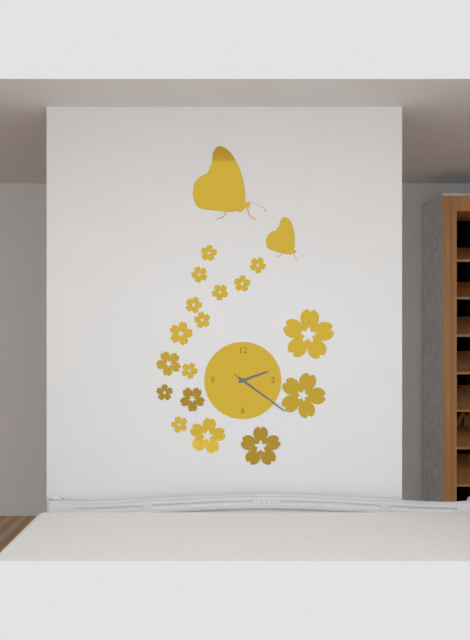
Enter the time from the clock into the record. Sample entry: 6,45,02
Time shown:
2,21,21
